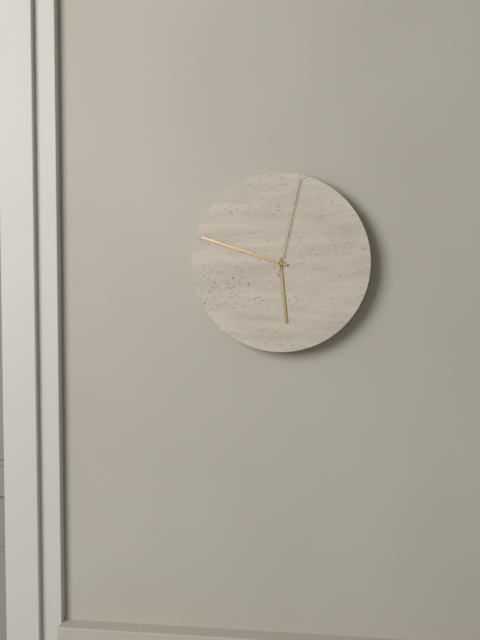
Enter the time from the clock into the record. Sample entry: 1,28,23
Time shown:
5,48,02
